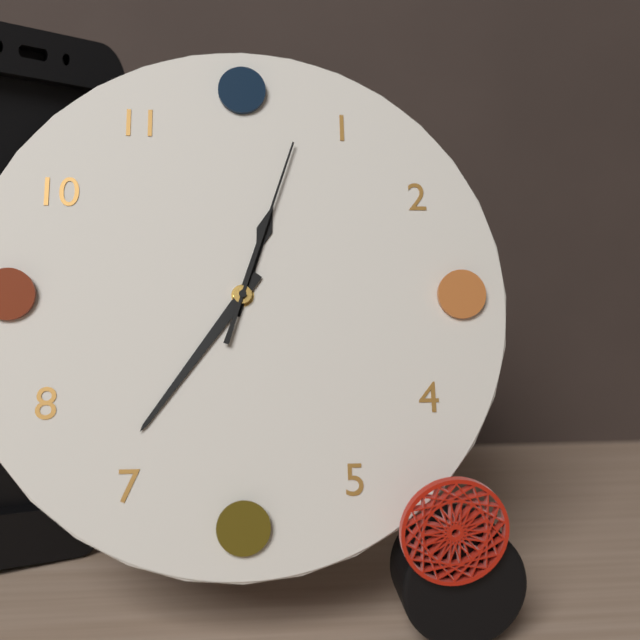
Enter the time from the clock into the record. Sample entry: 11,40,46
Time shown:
12,36,03
